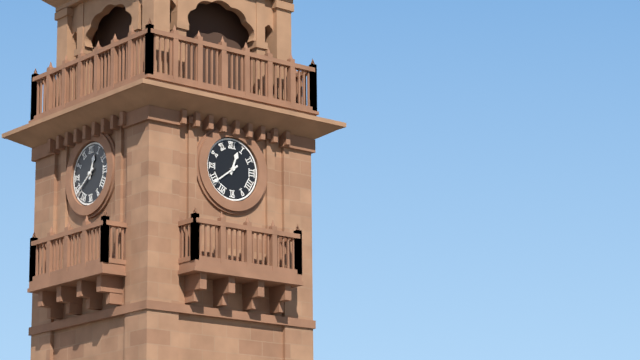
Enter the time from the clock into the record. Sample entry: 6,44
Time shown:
12,39
